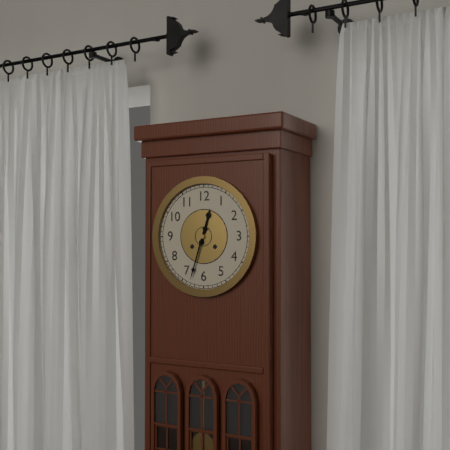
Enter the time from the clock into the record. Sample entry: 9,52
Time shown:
12,33
